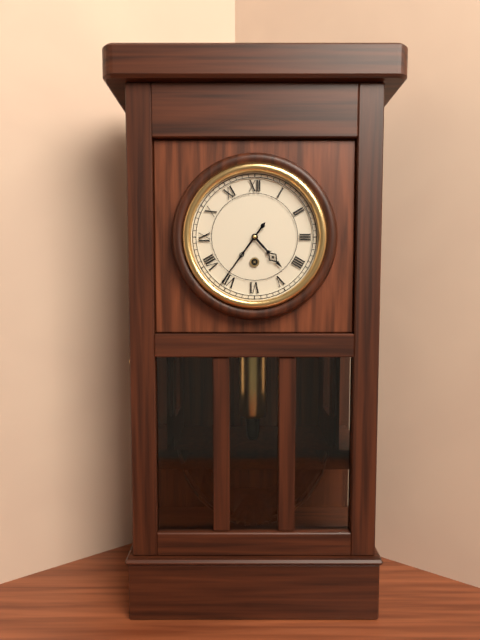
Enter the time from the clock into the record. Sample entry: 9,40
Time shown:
4,36
